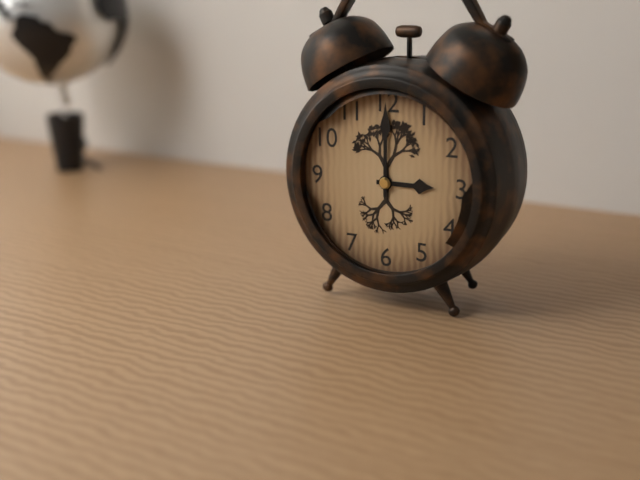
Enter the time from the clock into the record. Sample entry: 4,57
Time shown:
3,00
